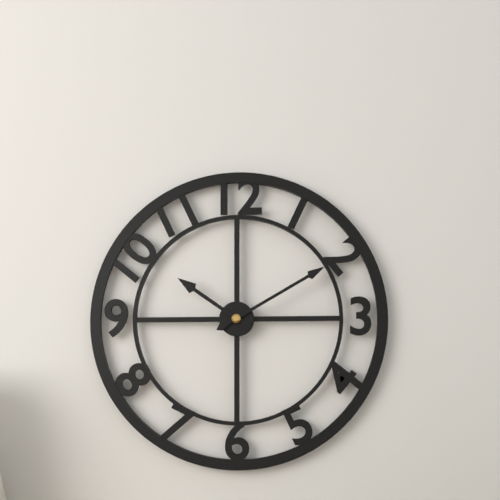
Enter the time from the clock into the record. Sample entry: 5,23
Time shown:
10,10
